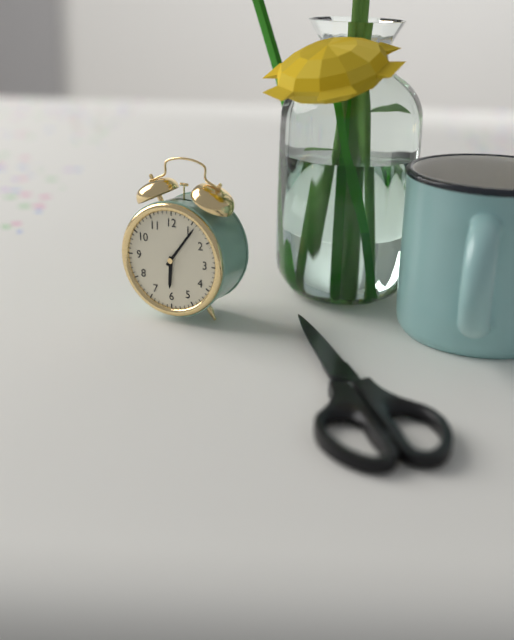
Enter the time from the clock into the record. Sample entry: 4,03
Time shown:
6,06
